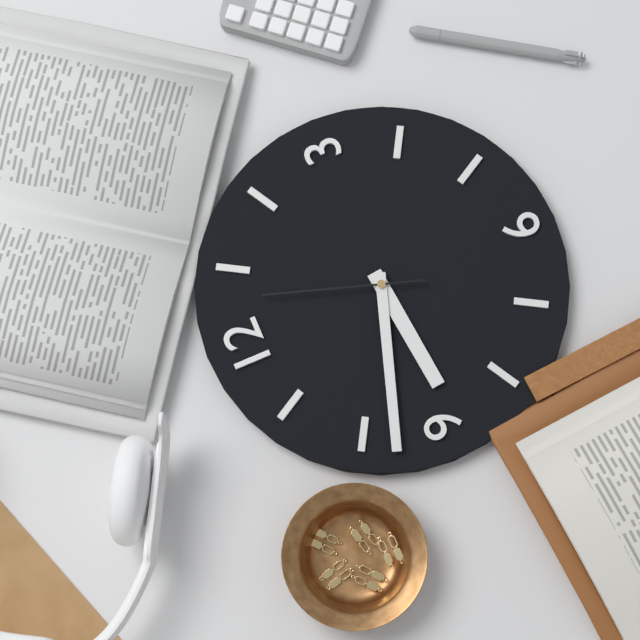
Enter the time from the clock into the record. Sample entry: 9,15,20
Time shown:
8,48,03
